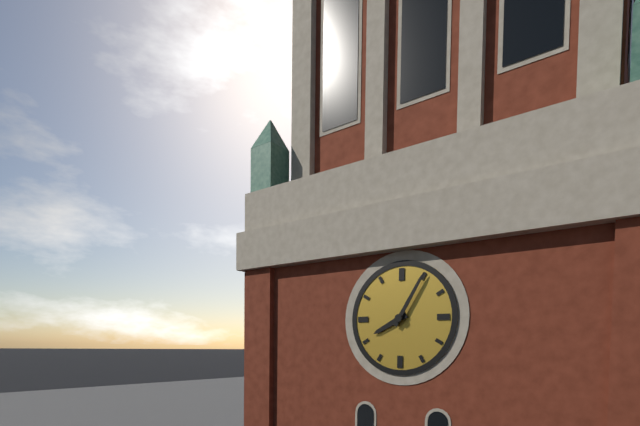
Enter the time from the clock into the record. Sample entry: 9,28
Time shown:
8,05
